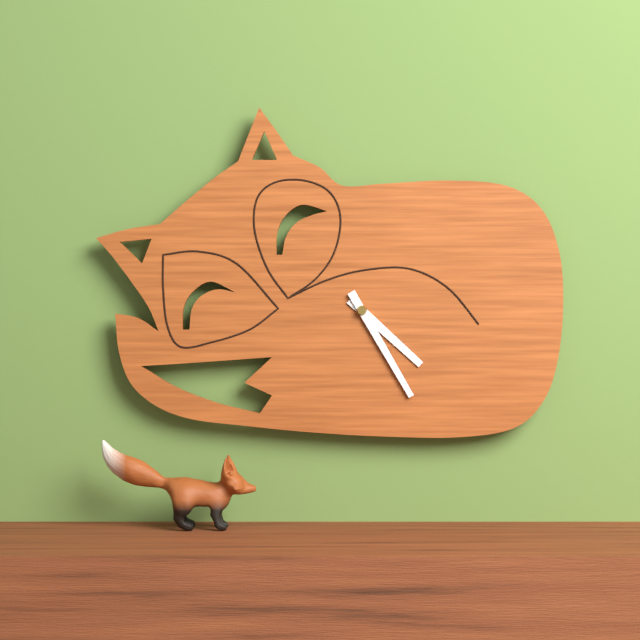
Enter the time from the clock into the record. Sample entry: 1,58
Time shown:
4,25
